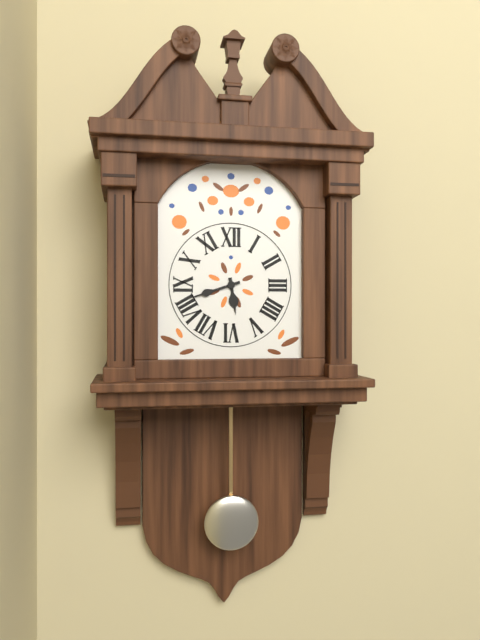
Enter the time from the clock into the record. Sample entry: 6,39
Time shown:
5,42
